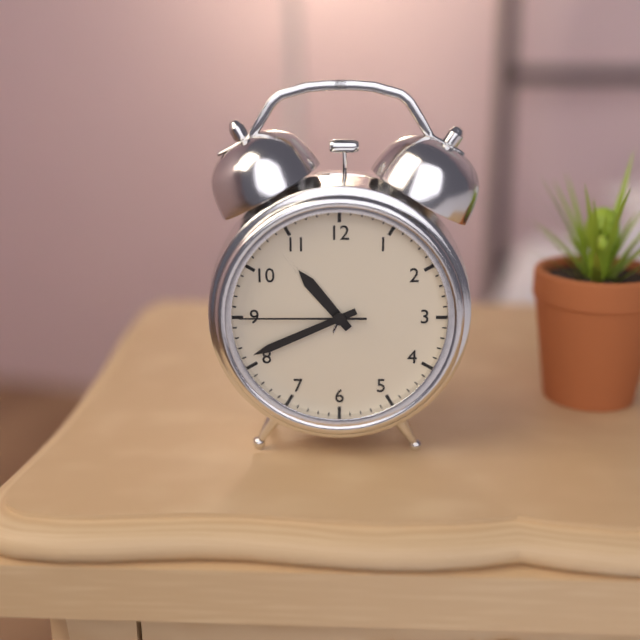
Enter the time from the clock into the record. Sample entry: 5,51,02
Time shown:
10,41,45
